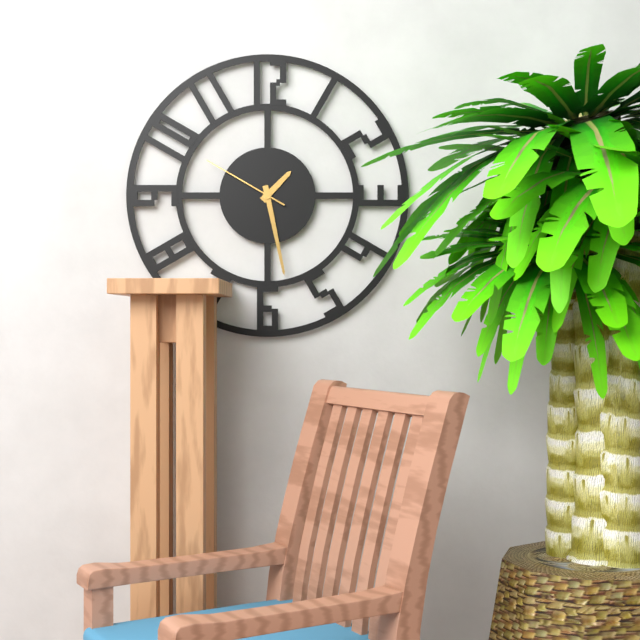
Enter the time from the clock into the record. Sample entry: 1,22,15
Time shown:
1,28,50
